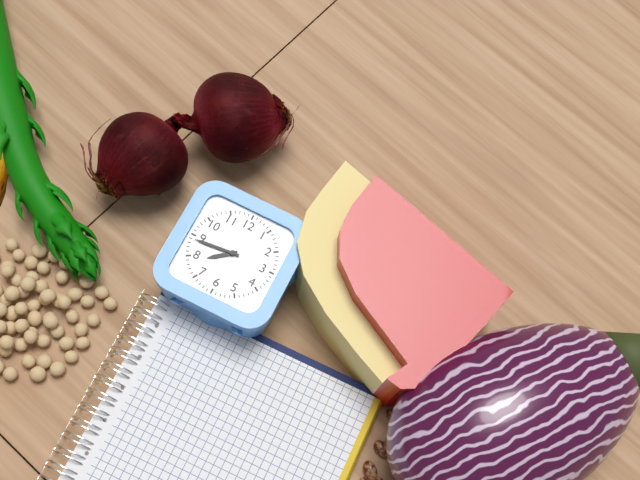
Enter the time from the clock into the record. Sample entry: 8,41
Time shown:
7,44
